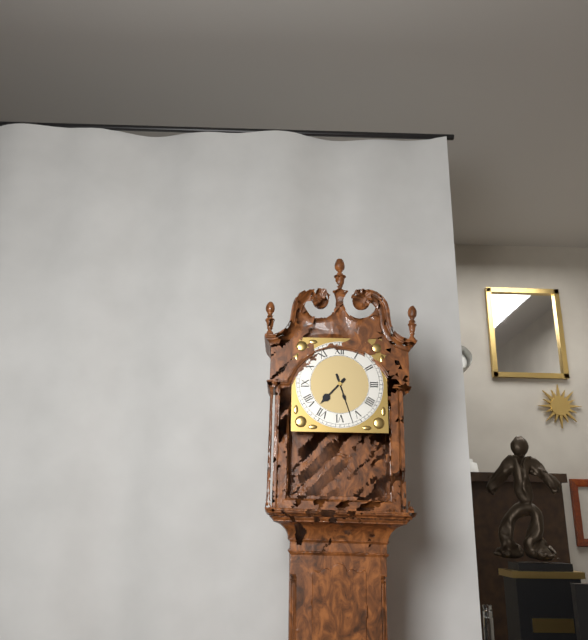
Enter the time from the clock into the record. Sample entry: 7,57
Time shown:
7,27
